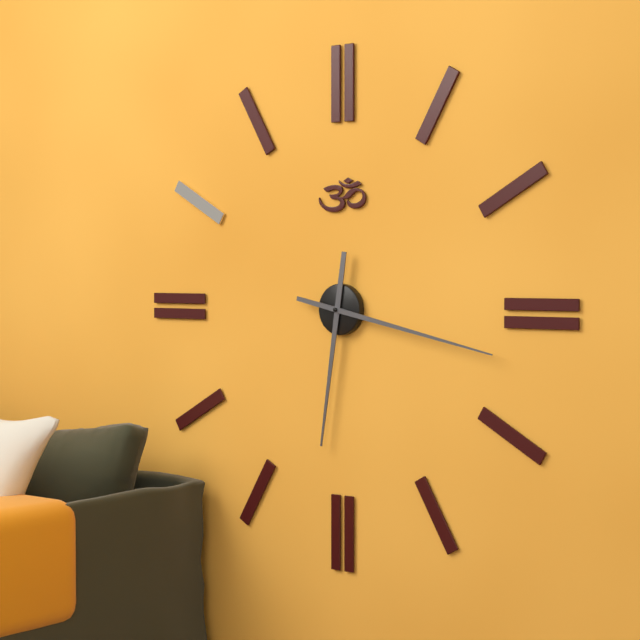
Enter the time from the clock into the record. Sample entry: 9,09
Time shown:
6,17
